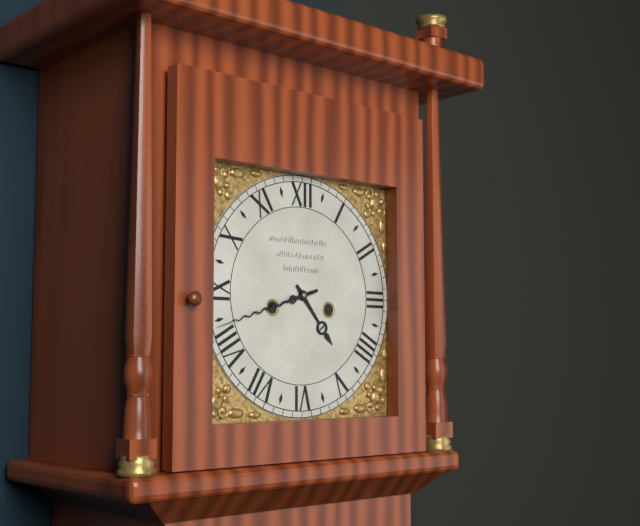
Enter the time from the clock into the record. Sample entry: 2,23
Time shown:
4,42
